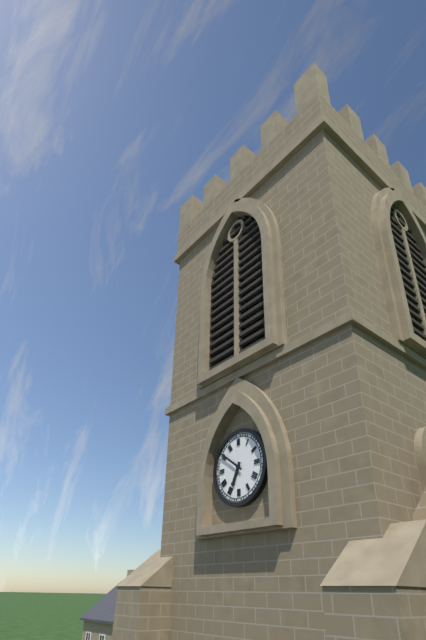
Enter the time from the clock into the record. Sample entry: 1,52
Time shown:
6,51
